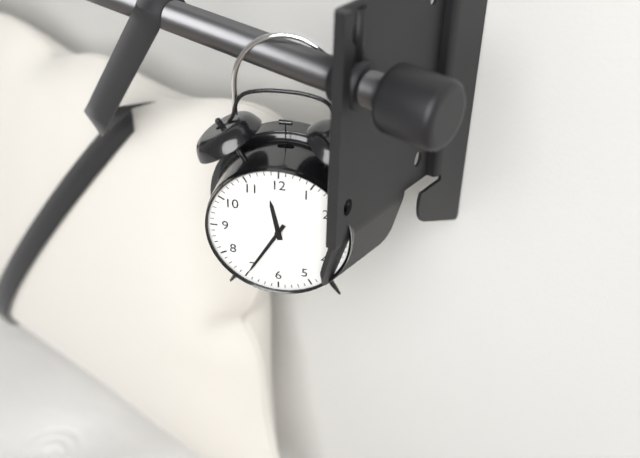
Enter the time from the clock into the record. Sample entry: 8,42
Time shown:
11,35
